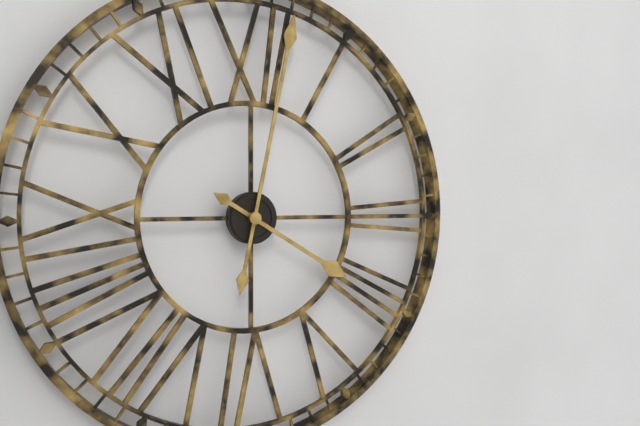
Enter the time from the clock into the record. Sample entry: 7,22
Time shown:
4,02
